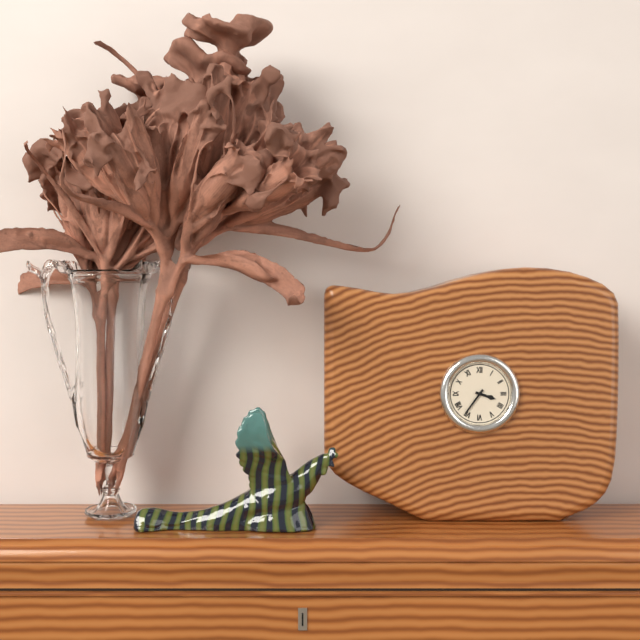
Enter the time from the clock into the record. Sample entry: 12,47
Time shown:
3,36
